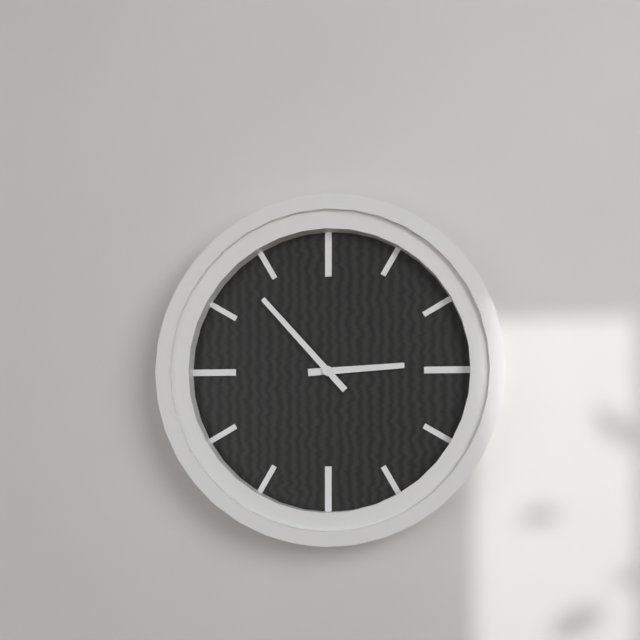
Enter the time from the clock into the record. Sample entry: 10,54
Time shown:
2,53
